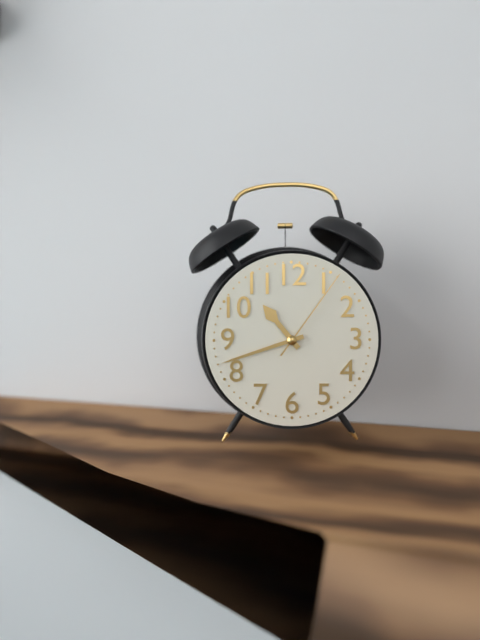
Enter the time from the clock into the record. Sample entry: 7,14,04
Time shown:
10,42,06
